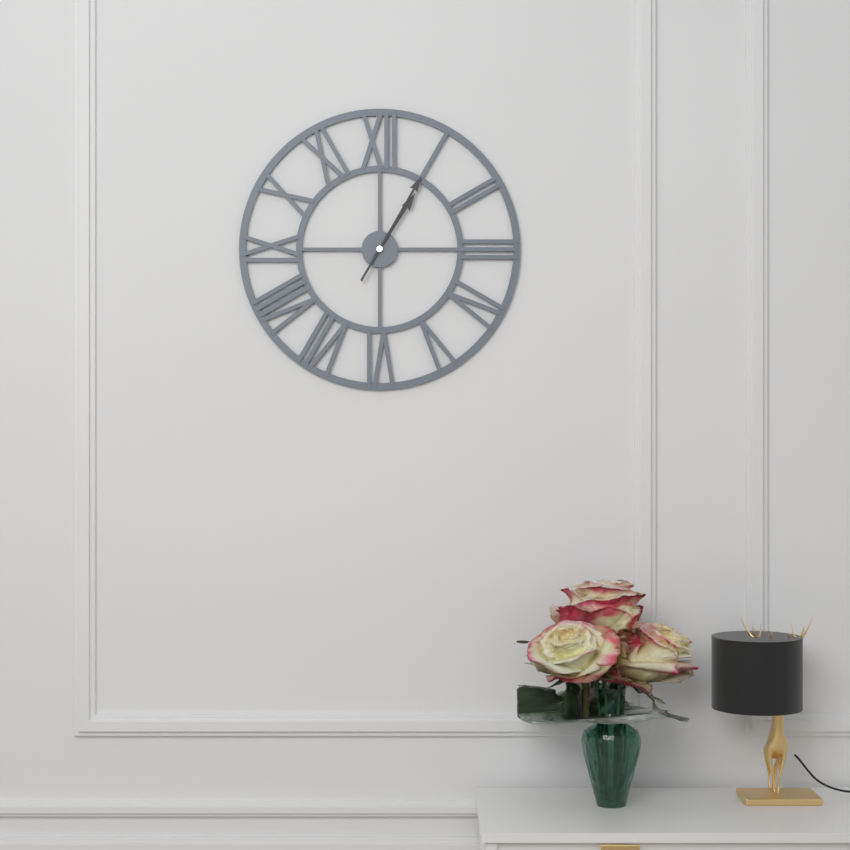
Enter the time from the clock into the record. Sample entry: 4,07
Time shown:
1,05
